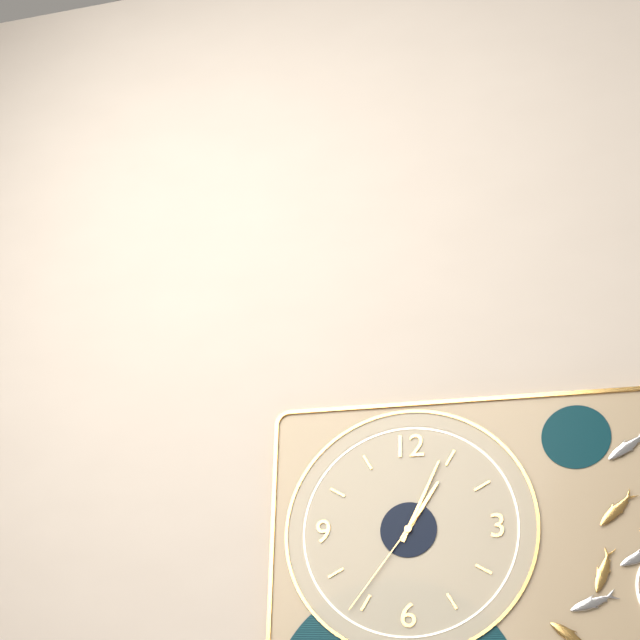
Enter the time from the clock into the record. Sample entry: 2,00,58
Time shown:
1,04,36
